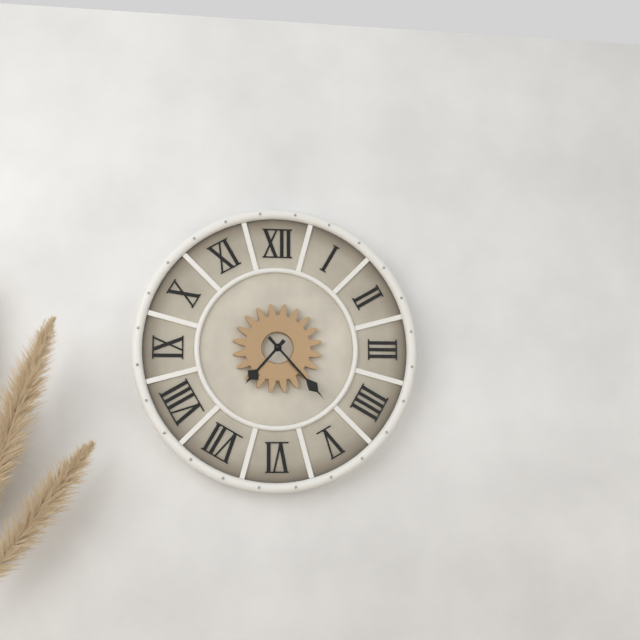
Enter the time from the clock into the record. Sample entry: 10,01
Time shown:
7,23
